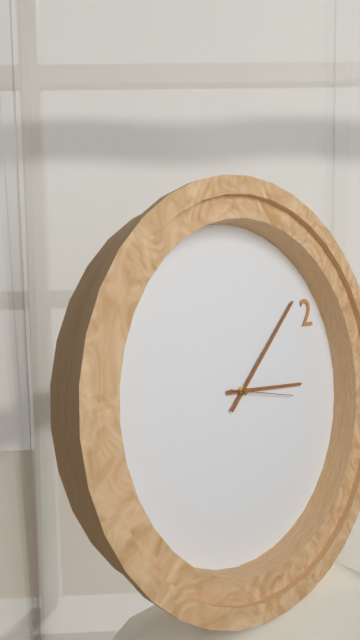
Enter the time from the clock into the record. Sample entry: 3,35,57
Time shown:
3,08,17
